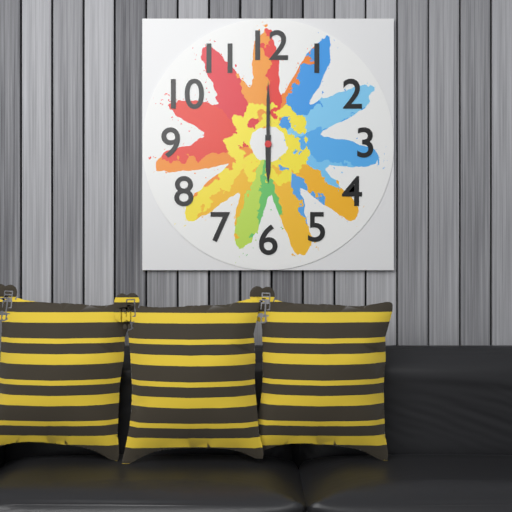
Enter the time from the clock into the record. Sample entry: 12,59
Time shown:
6,00
